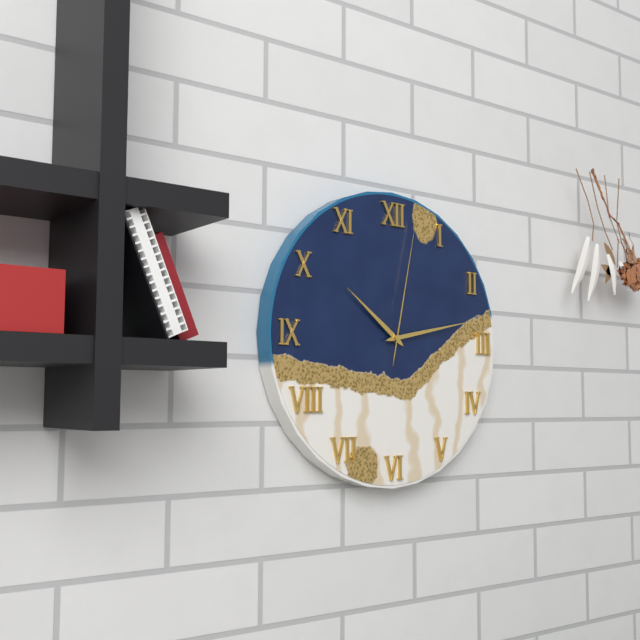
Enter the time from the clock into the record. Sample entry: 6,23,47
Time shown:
10,13,02
